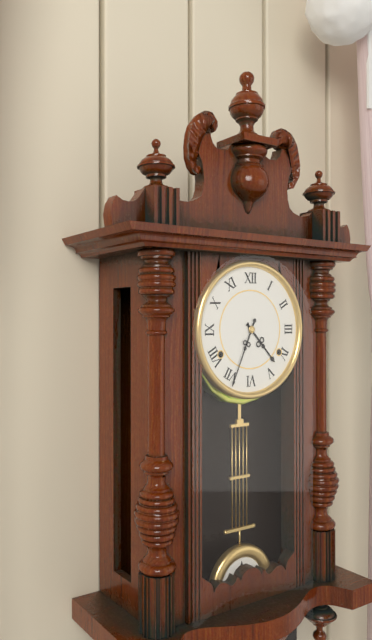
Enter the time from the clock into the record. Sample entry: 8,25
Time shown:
4,34
